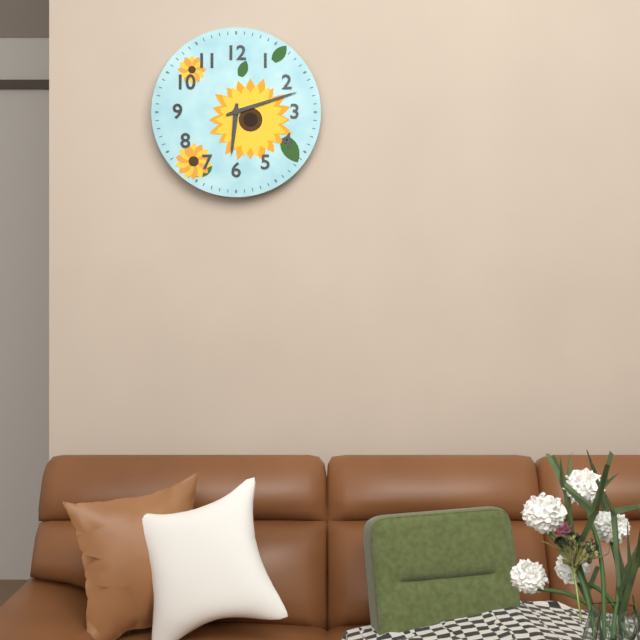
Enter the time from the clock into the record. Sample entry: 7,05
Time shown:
6,12
